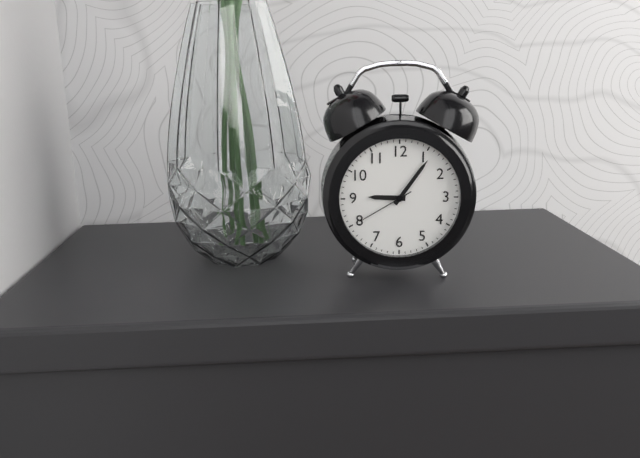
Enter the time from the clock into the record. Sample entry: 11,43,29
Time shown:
9,06,40
